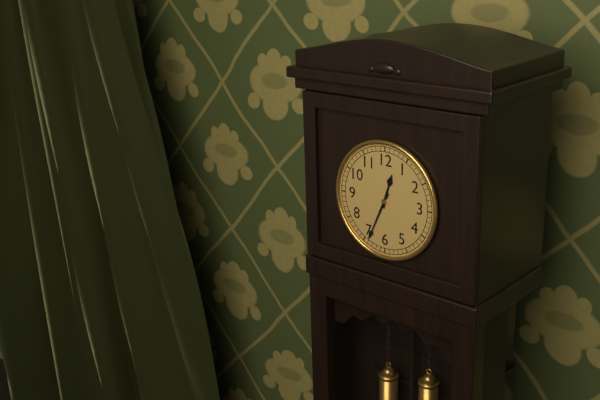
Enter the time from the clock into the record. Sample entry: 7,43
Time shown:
12,34
